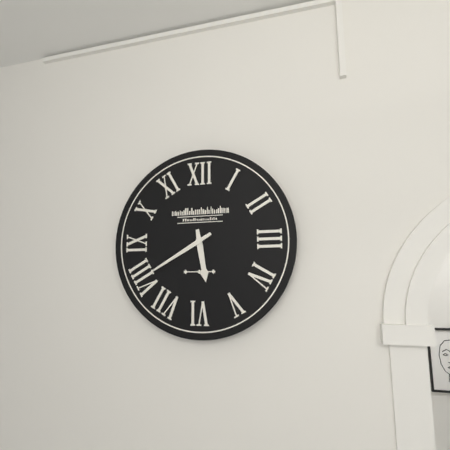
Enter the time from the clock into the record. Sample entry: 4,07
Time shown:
5,40
